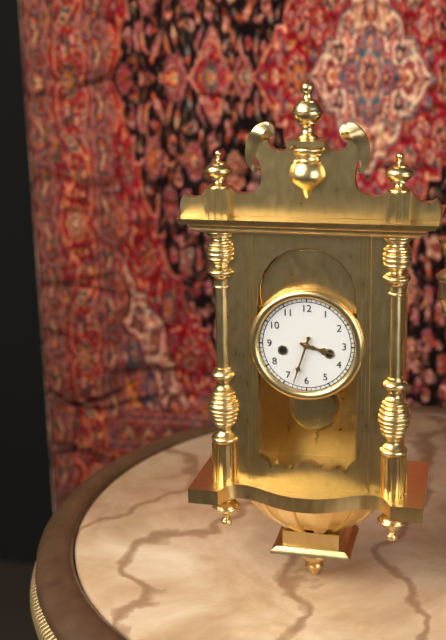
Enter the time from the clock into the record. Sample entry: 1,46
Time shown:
3,33
